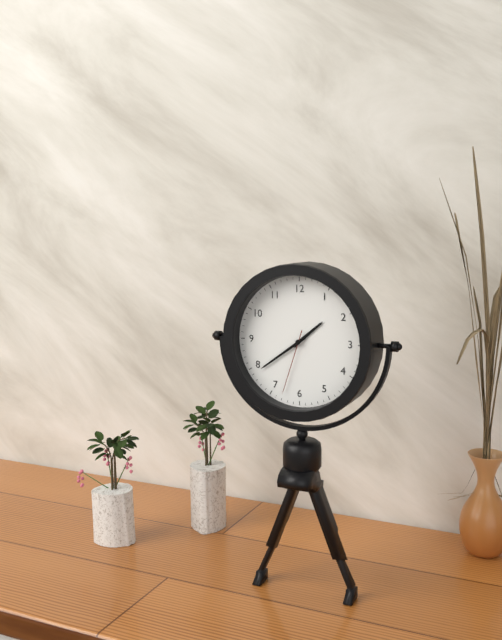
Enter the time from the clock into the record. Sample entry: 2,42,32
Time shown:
1,39,33
